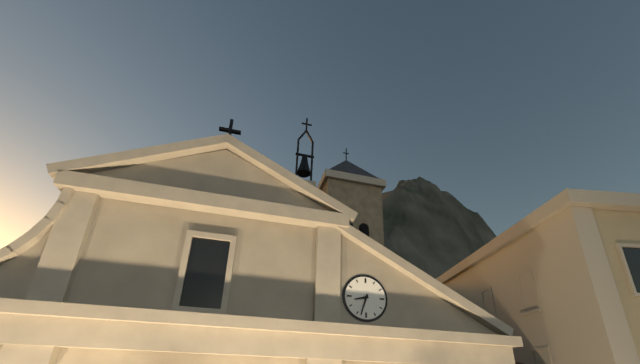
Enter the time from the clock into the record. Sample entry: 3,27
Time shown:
8,33
